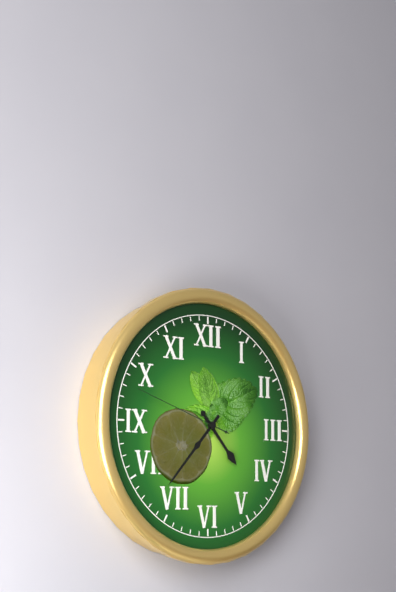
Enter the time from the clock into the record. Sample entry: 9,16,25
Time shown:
4,37,48
